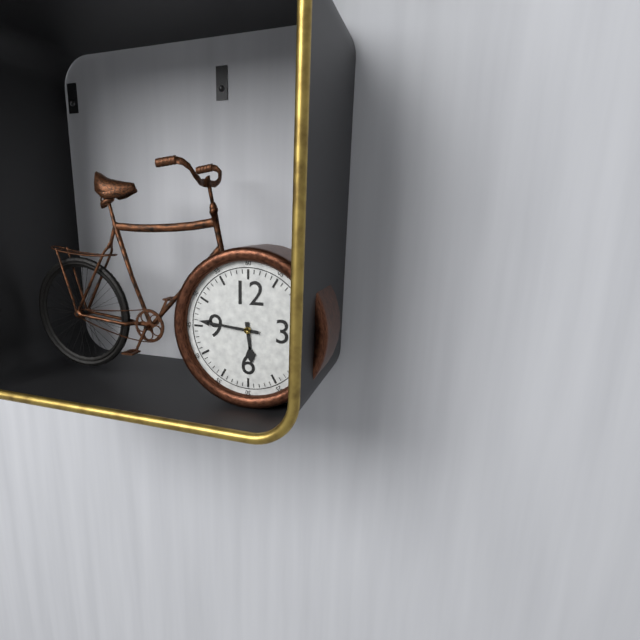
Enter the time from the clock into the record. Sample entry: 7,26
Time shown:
5,46
